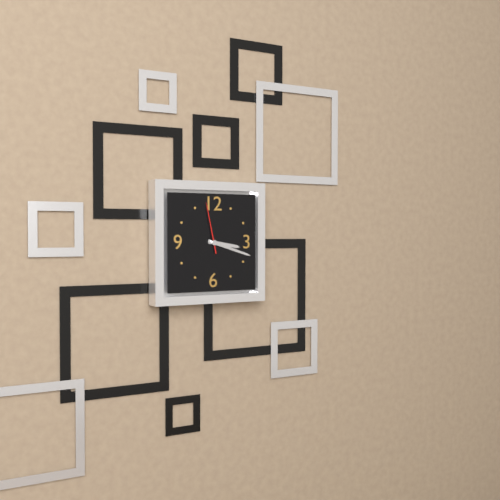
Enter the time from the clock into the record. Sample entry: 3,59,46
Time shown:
3,18,58
